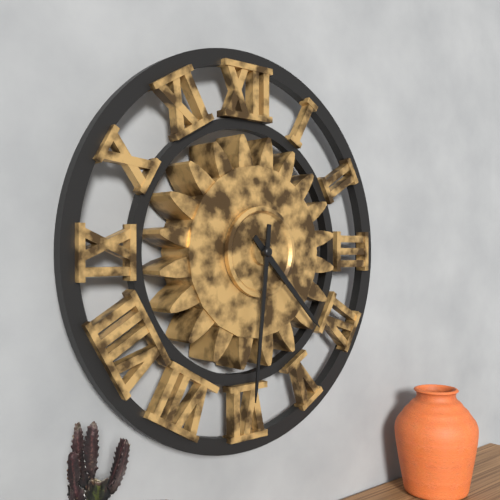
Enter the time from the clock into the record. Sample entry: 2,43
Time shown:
4,31
